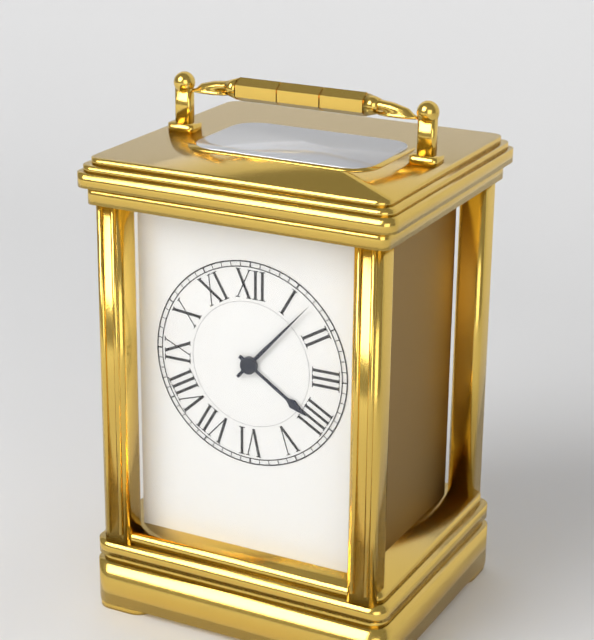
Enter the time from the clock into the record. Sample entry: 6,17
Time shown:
4,07
